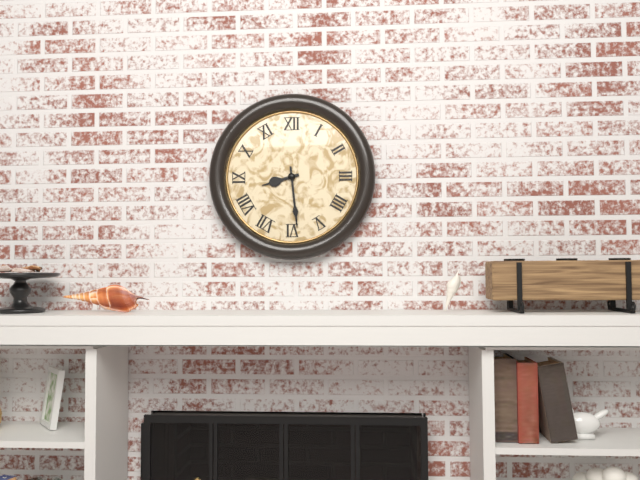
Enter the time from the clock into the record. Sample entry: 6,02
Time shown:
8,29
